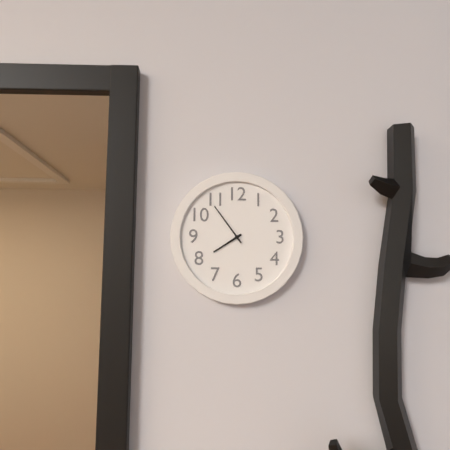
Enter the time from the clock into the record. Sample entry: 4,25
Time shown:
7,54
